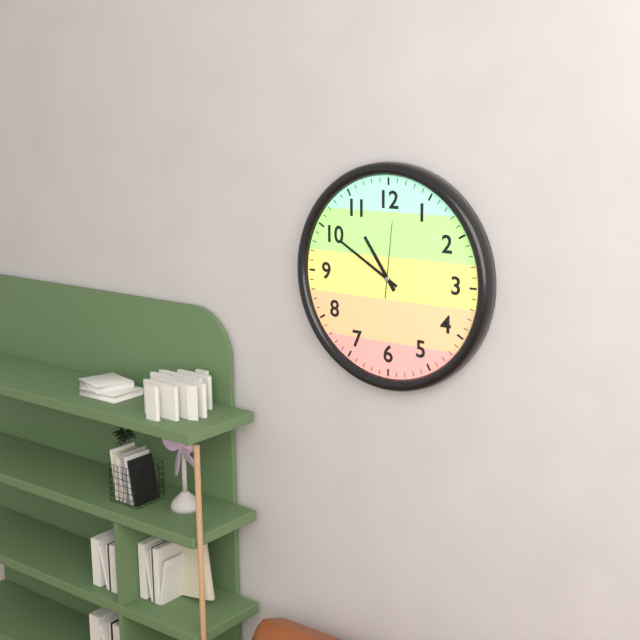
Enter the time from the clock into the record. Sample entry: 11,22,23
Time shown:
10,50,01
